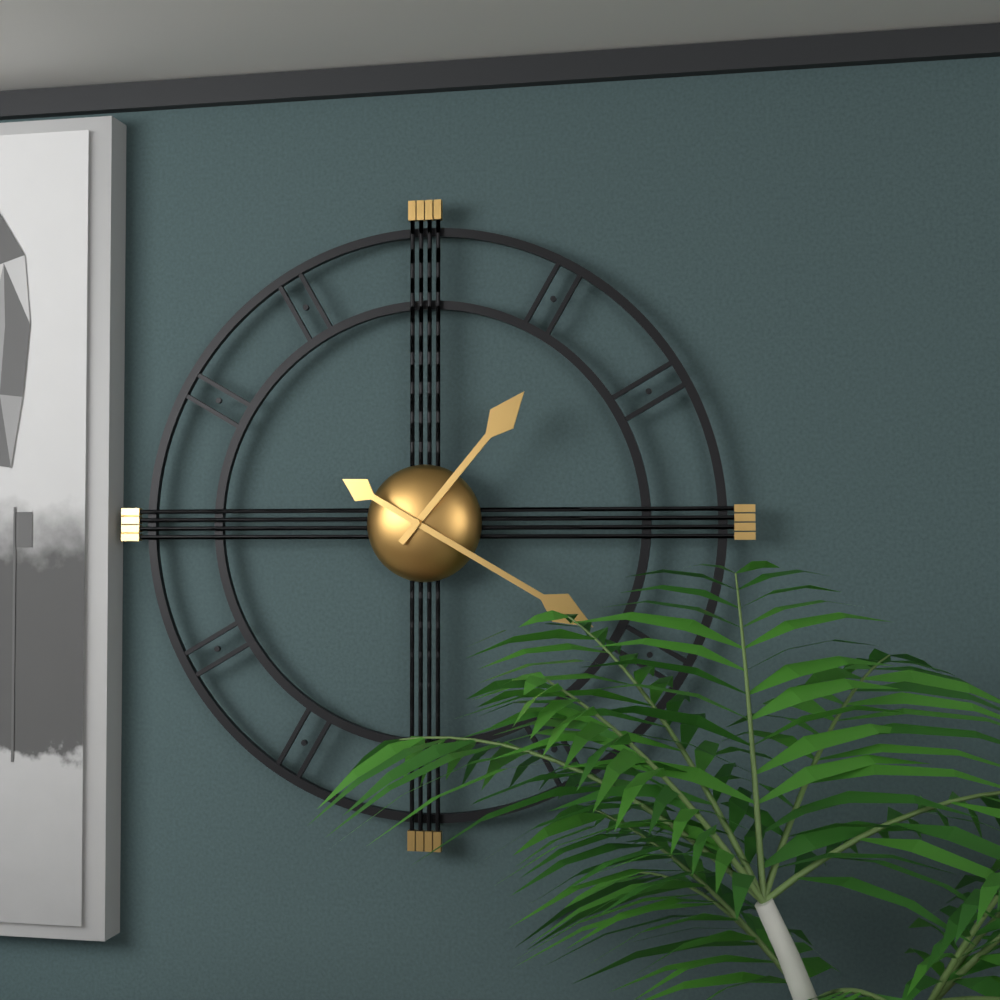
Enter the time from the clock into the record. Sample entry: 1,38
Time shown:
1,20
